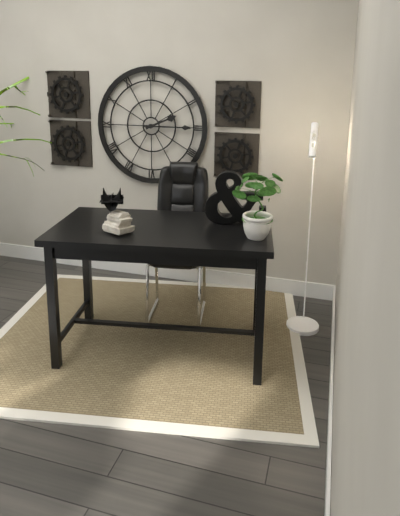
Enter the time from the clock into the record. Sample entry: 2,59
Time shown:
2,15
